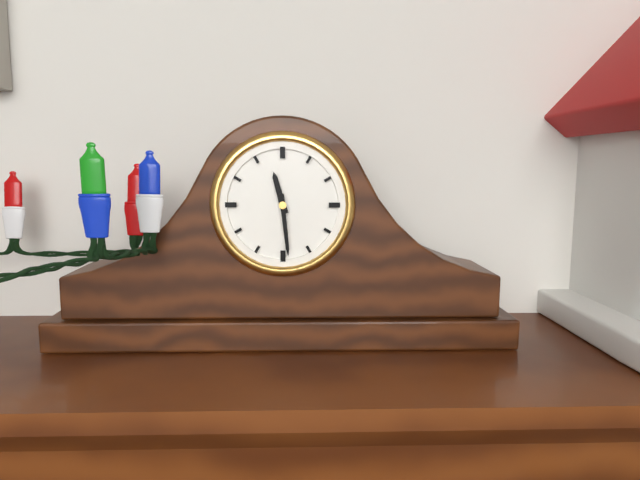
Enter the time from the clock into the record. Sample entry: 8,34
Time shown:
11,29
